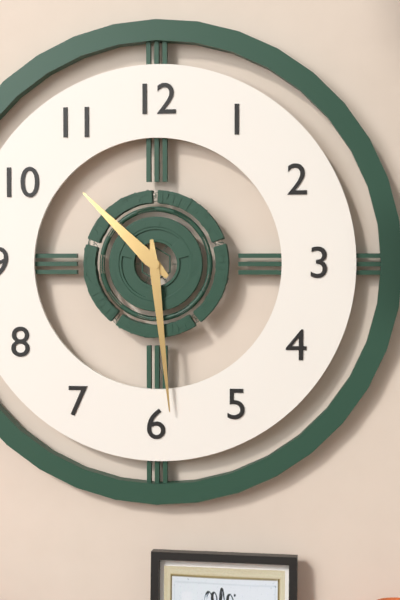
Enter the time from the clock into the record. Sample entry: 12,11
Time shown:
10,29
